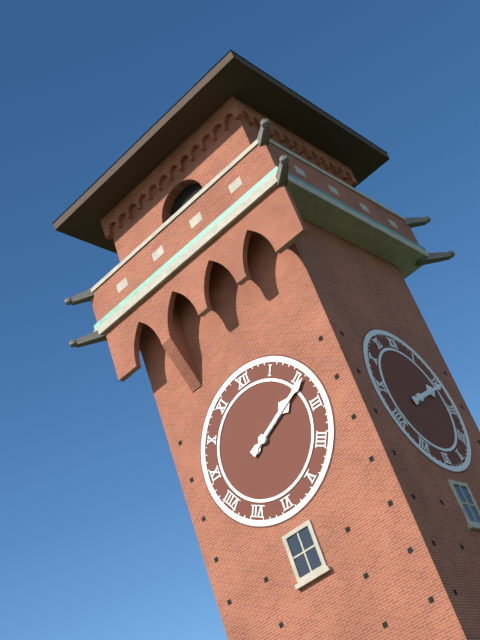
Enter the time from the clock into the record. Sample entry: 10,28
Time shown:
2,11
